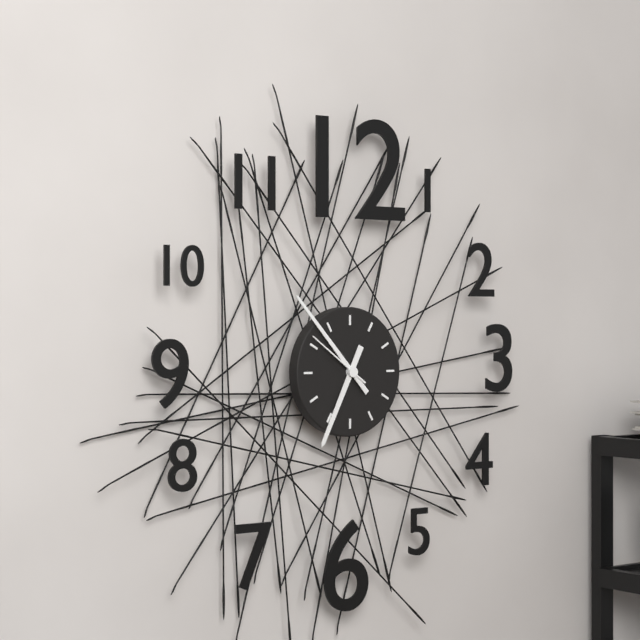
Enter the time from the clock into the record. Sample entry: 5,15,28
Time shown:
6,53,51
